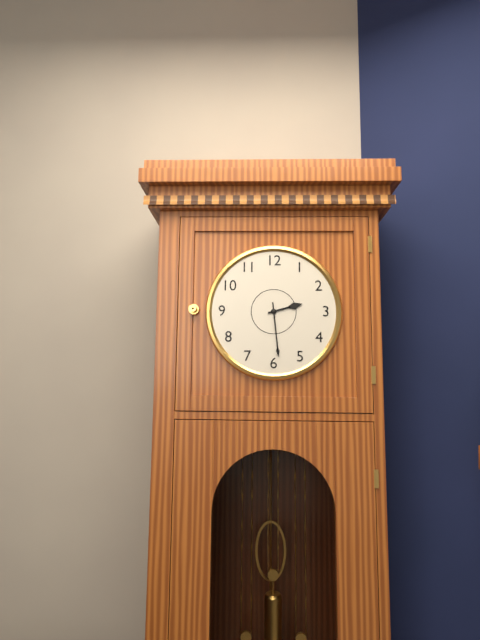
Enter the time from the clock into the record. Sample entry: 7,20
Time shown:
2,29
